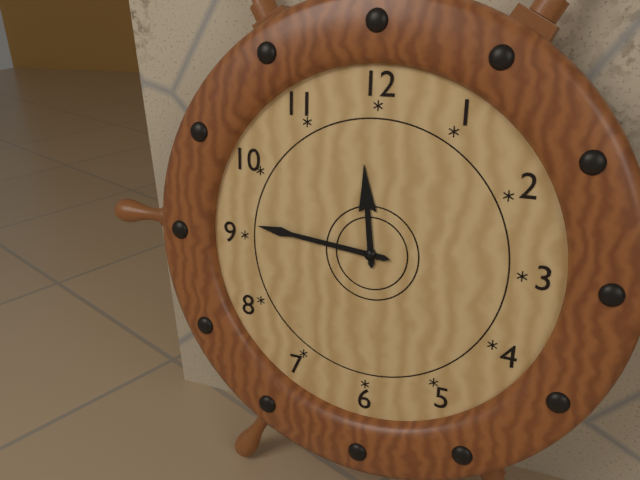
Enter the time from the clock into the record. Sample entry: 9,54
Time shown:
11,46
